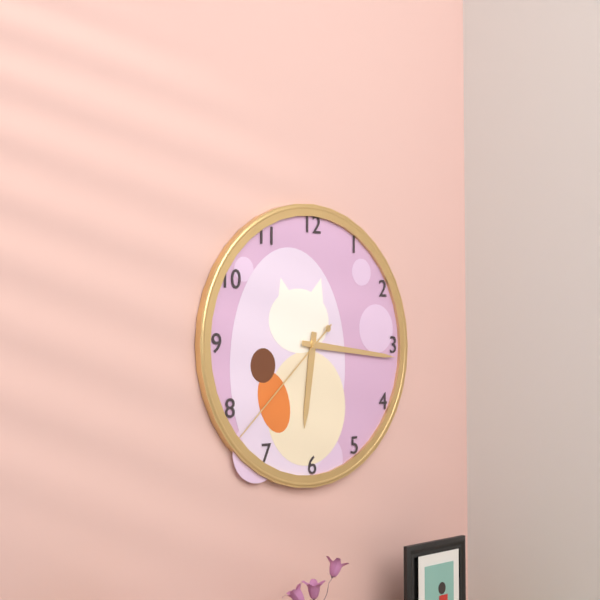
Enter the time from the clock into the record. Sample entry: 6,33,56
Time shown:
6,16,38
